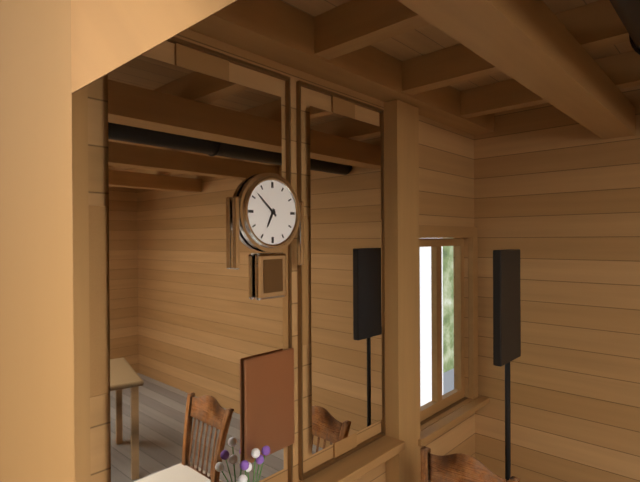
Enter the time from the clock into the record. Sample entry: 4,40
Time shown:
6,52
